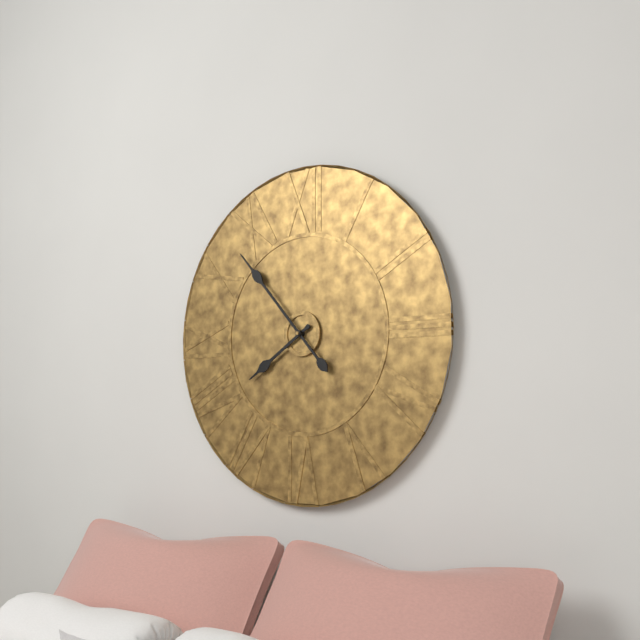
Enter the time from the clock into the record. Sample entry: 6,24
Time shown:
7,53
